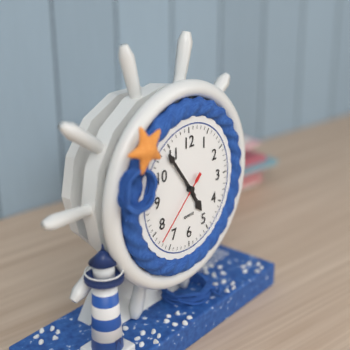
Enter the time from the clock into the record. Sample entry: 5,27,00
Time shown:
4,54,38
